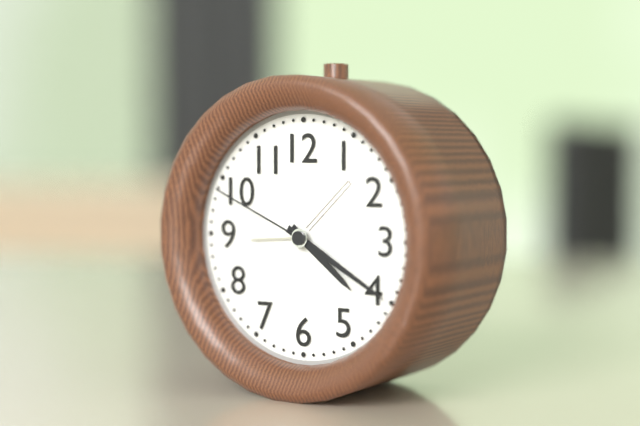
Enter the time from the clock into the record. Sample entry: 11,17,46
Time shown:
4,20,49
